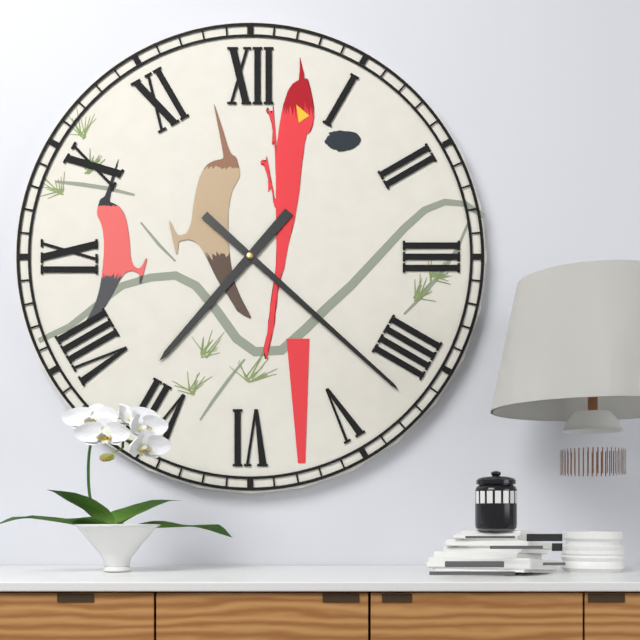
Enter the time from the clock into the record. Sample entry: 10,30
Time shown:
7,22
